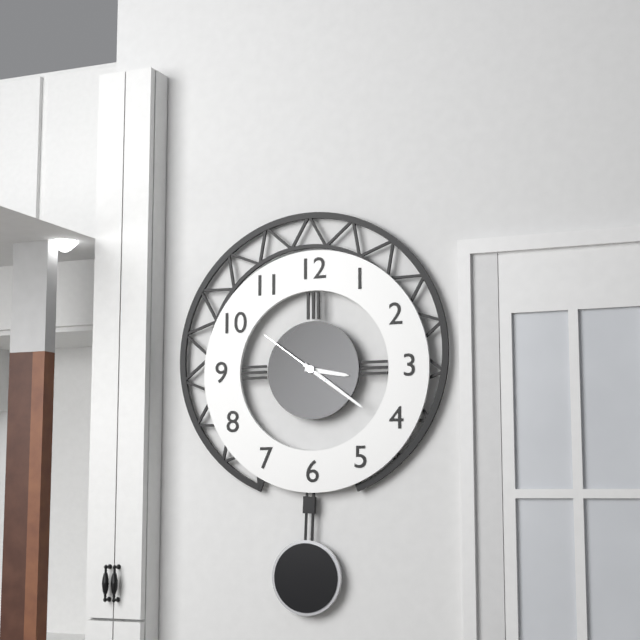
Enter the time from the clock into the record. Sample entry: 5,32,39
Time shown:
3,21,51
